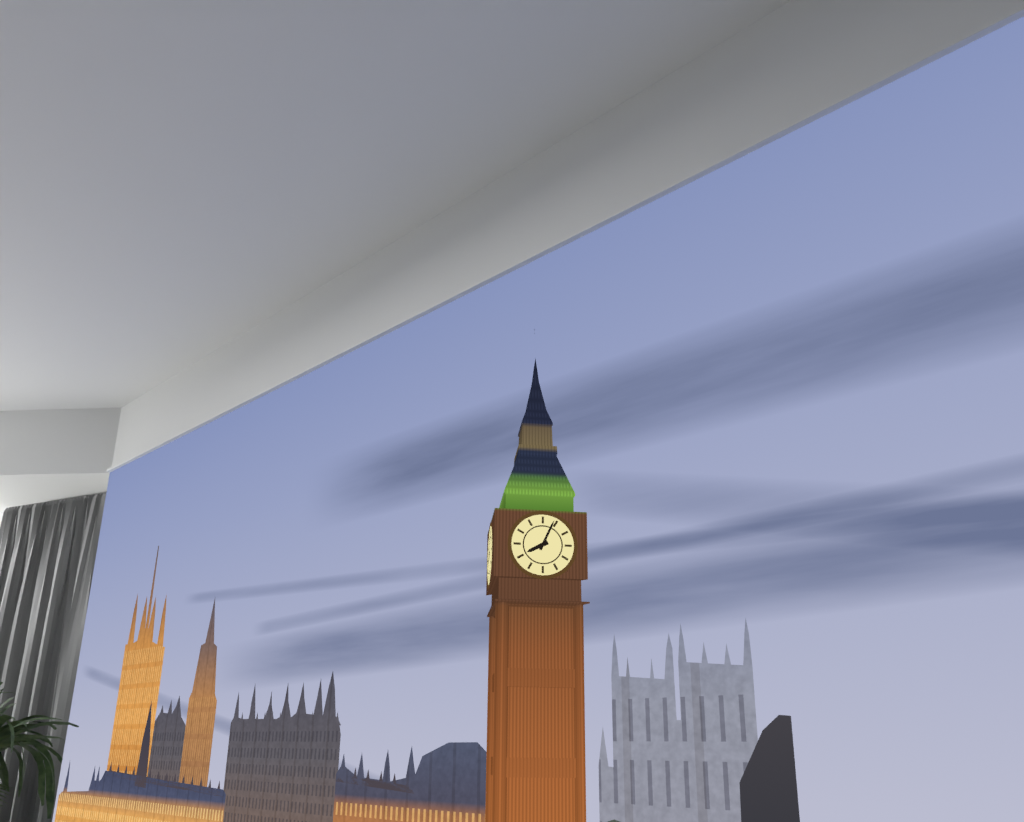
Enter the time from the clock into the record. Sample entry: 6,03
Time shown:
8,04
